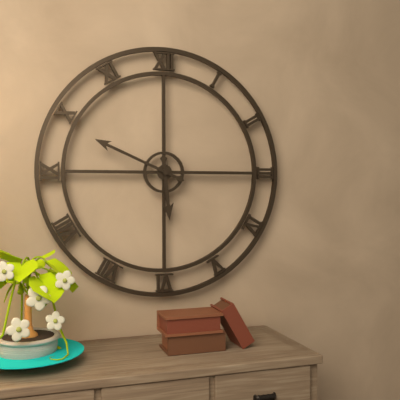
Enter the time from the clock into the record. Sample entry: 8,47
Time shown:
5,49
